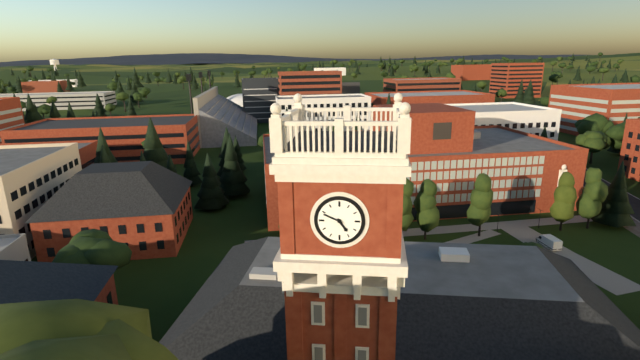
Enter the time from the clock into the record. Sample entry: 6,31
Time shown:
4,49
